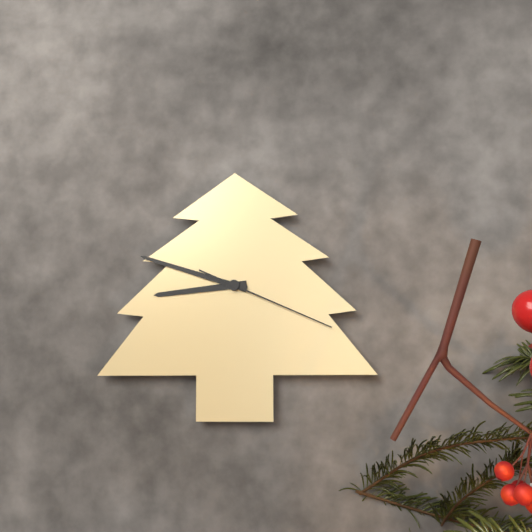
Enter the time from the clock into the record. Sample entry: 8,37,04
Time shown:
8,48,19
